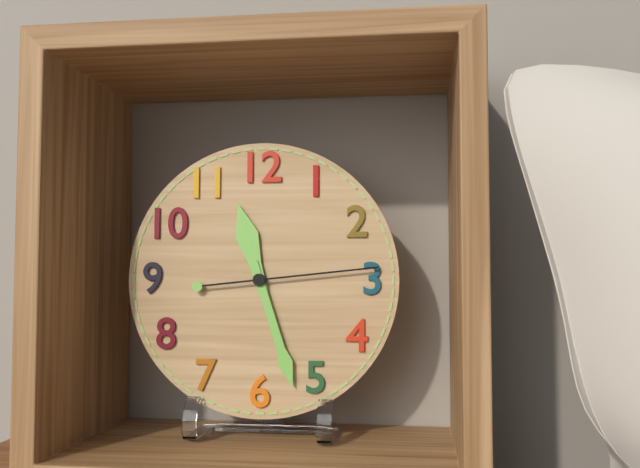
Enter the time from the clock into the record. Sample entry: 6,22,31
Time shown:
11,27,14
